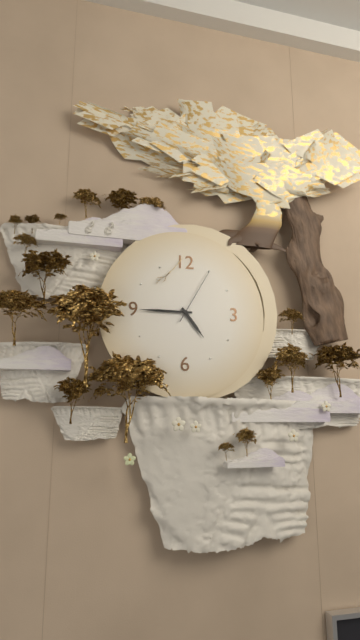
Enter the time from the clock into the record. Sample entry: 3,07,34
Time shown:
4,45,05
